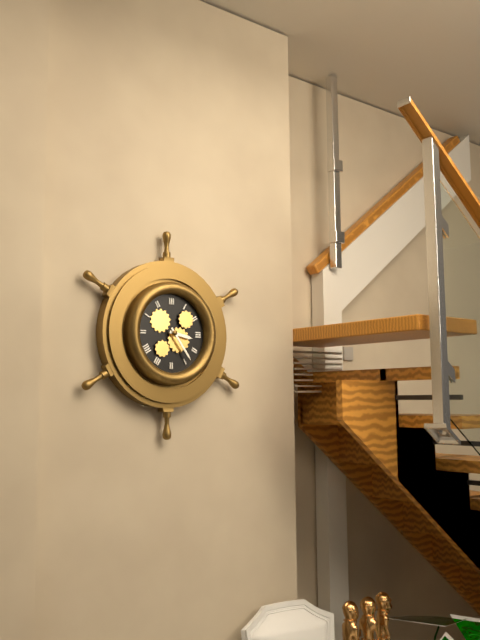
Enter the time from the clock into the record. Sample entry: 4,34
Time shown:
3,24
